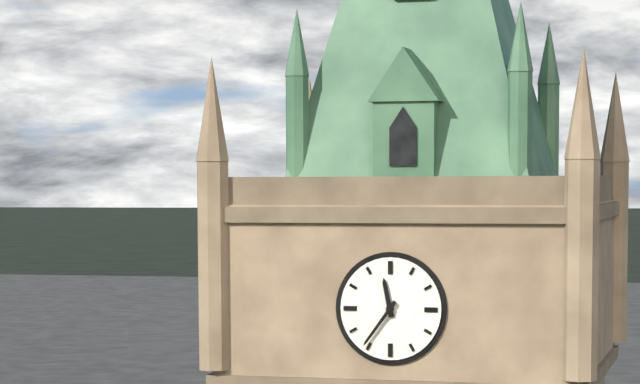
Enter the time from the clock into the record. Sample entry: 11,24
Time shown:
11,36
